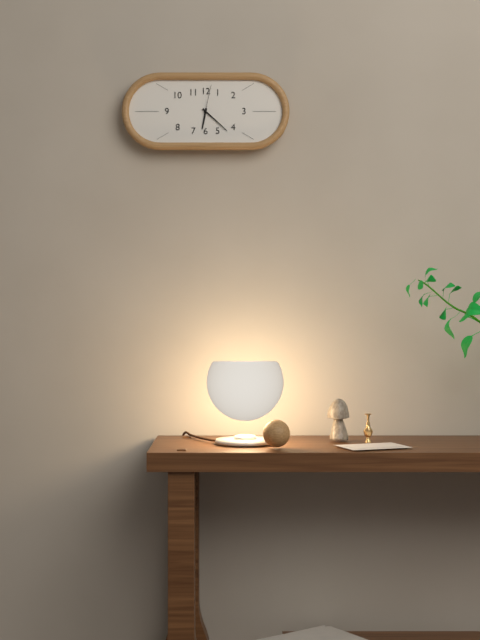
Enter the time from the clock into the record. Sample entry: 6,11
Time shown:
6,22
